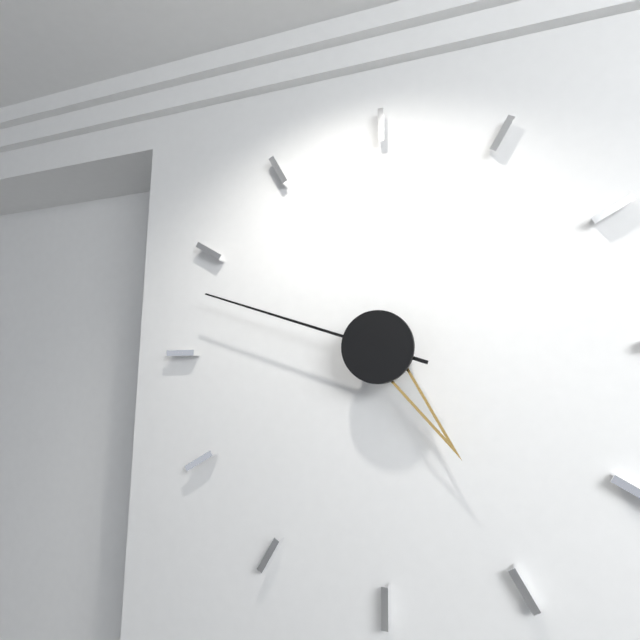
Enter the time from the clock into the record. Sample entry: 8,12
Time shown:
4,48
